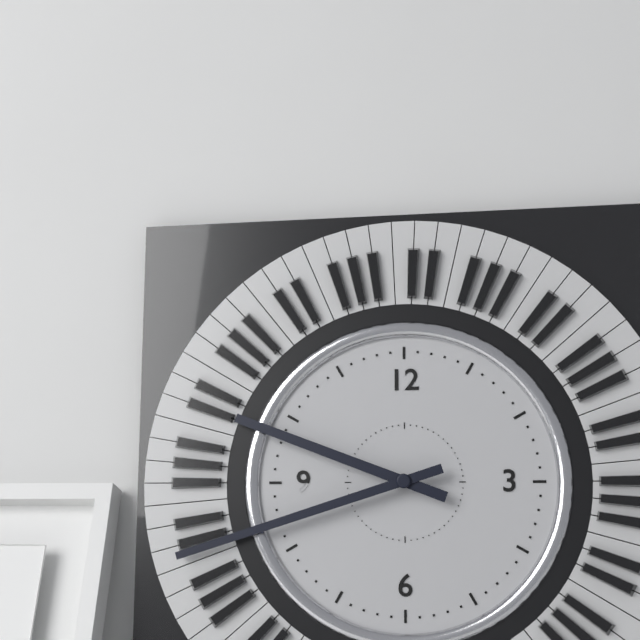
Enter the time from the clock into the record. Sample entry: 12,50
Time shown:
9,42
